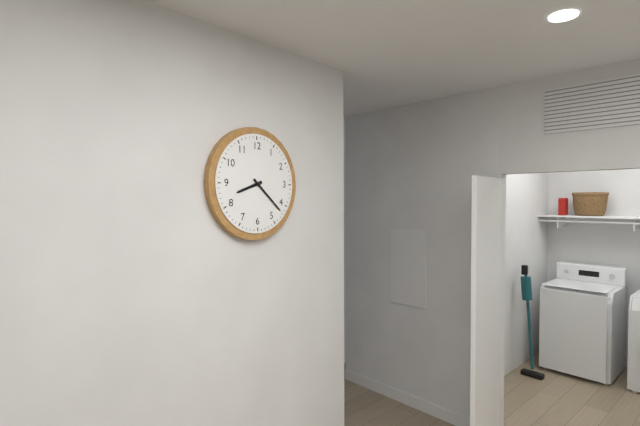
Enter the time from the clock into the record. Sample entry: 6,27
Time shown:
8,22
